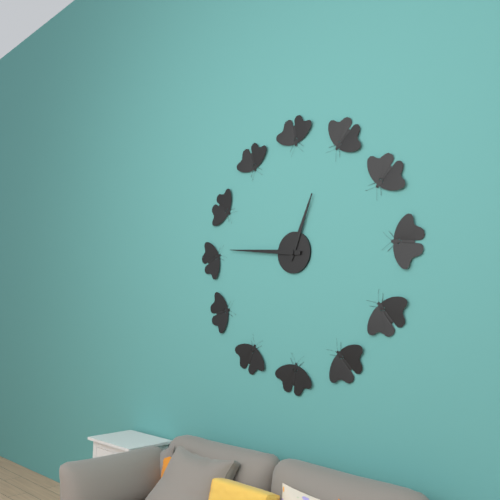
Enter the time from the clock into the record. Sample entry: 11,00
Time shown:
12,46
